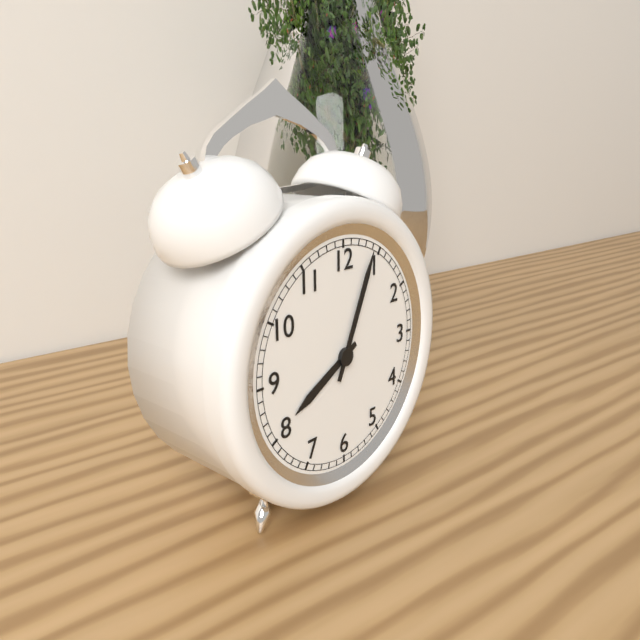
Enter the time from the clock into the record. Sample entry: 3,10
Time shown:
8,04
